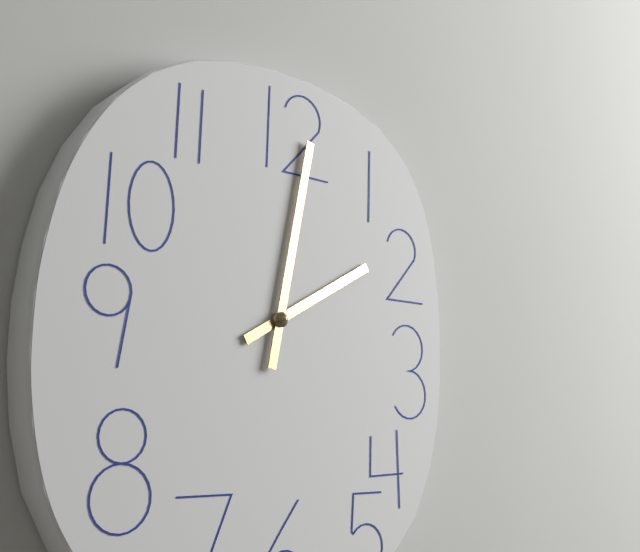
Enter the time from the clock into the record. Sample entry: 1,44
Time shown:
2,02
